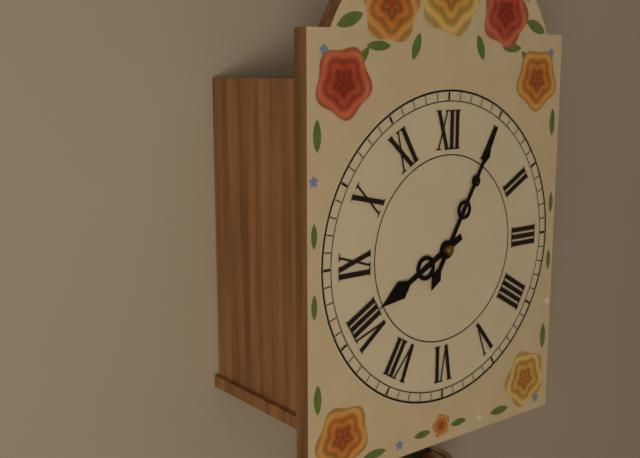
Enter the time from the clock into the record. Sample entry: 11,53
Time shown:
8,05
